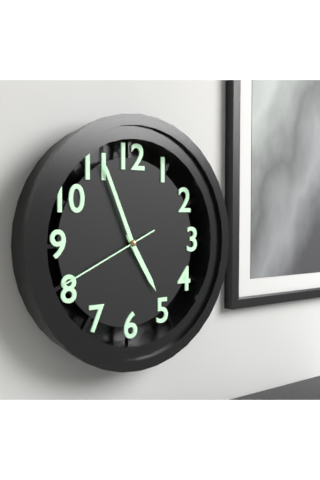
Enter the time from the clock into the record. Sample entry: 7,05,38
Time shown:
4,56,41
